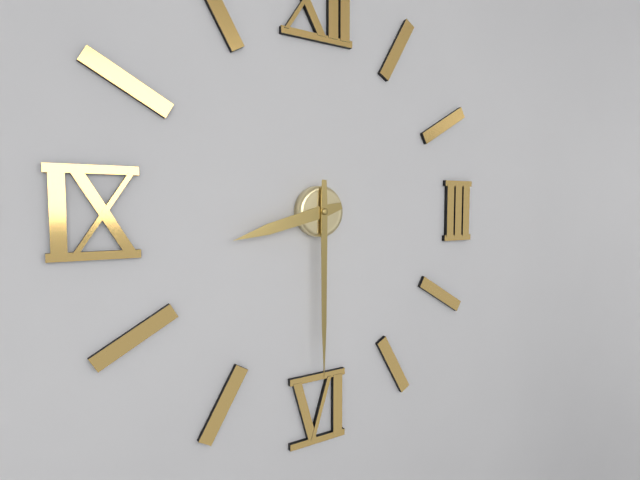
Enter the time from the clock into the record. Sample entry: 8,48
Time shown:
8,30
